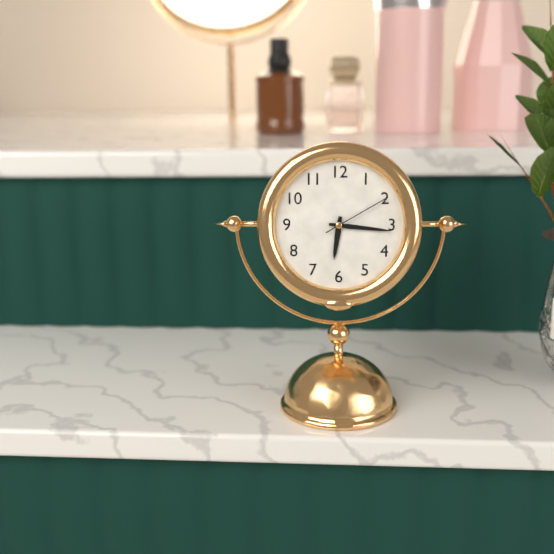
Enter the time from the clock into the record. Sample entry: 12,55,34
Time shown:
6,16,10
